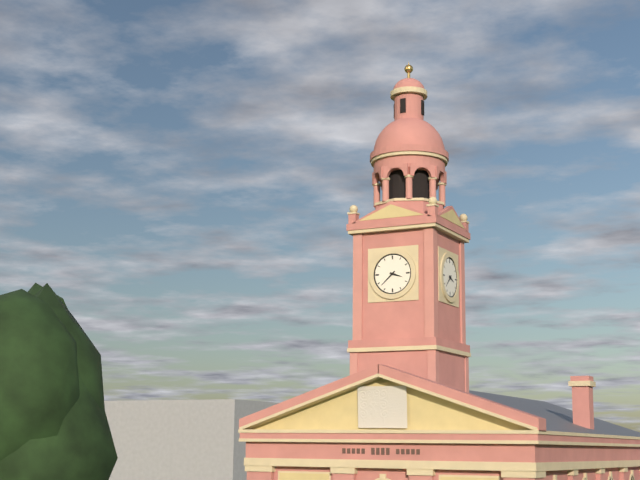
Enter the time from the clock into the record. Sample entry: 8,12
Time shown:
3,38
